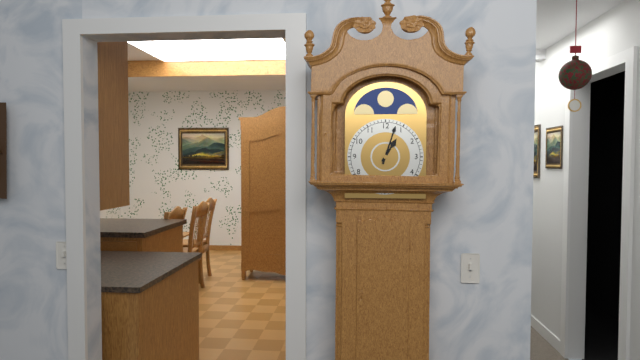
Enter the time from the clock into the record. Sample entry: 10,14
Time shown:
1,03
